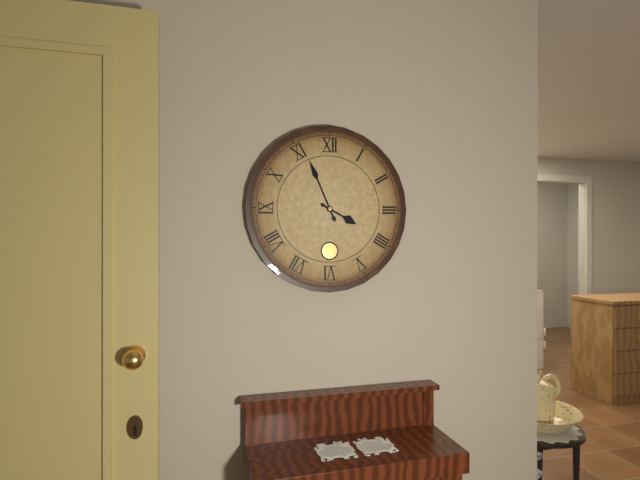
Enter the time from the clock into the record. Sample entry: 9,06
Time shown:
3,56
